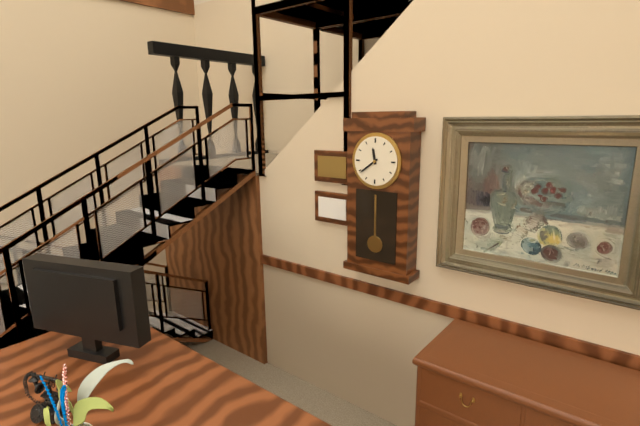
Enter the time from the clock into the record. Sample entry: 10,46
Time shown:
11,39
